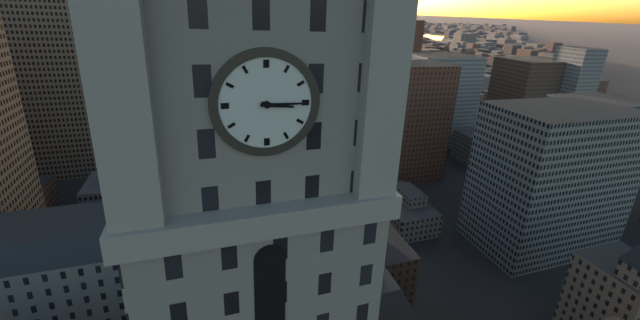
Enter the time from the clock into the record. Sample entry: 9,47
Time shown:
3,15
